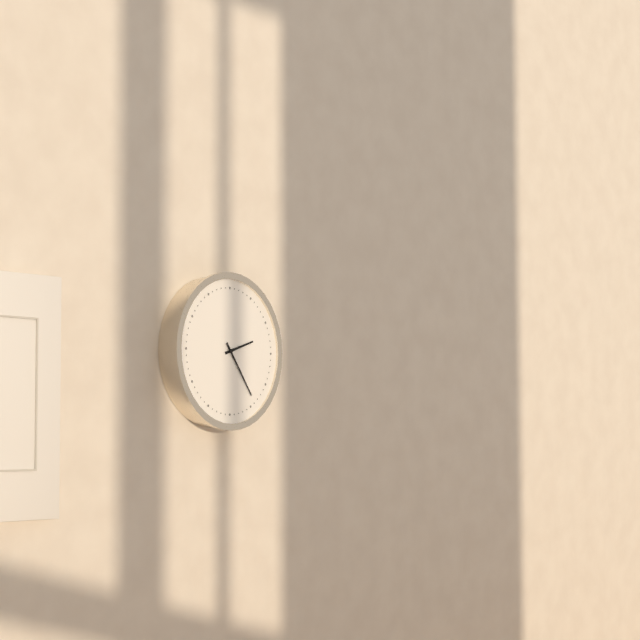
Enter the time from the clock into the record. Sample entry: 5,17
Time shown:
2,24
